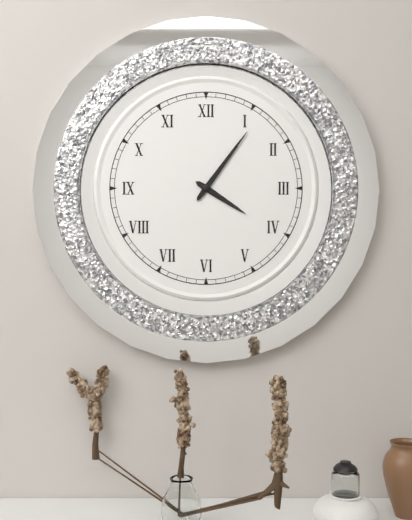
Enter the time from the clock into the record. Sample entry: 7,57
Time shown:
4,06
